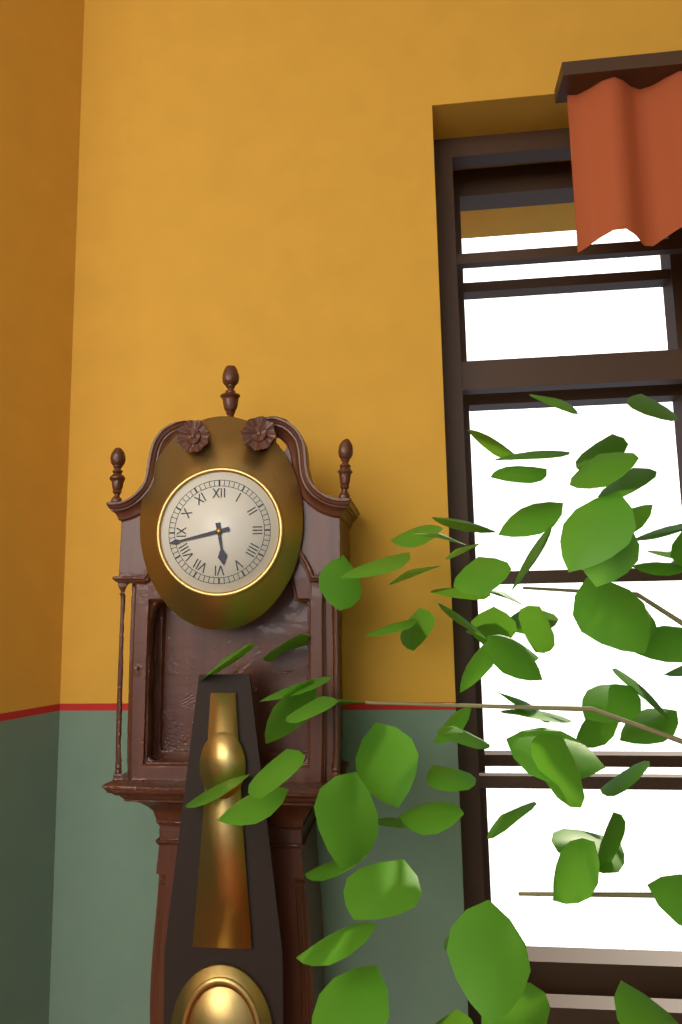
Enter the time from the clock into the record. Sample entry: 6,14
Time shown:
5,43
